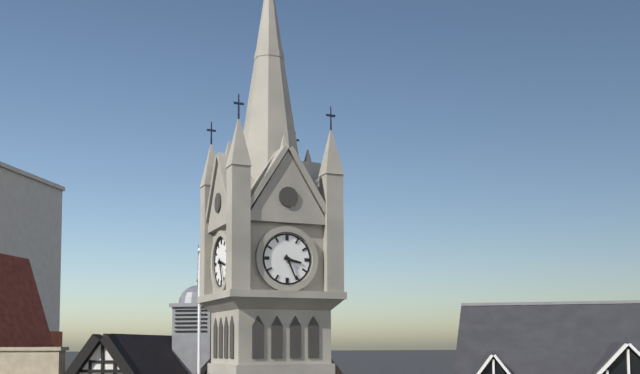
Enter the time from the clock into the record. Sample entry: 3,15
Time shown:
3,26
